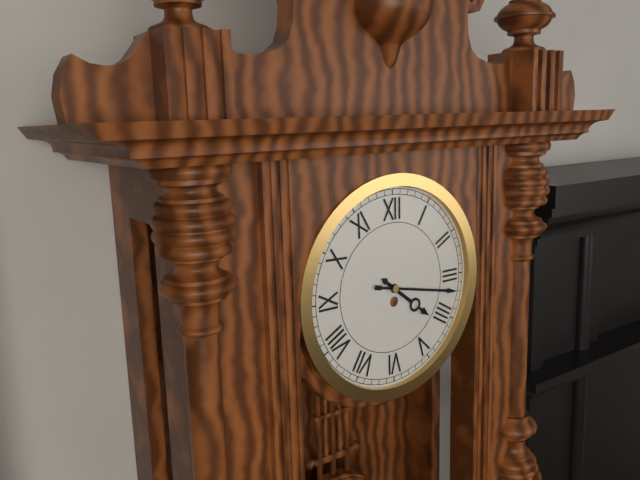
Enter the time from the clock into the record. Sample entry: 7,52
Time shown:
4,17
